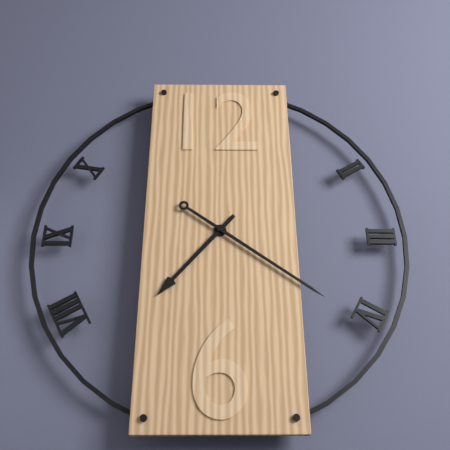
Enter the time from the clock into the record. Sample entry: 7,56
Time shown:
7,21
